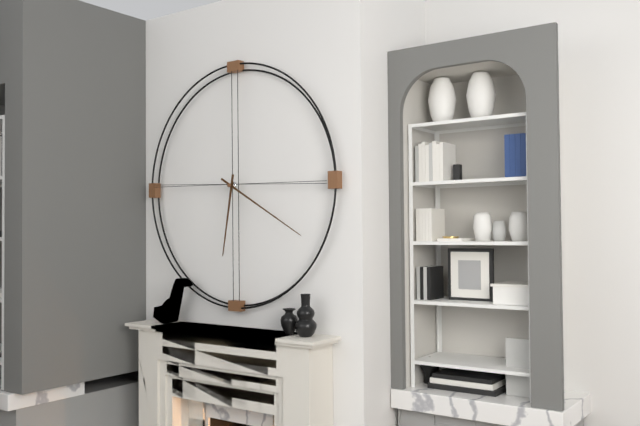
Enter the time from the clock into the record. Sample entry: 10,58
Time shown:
6,20
